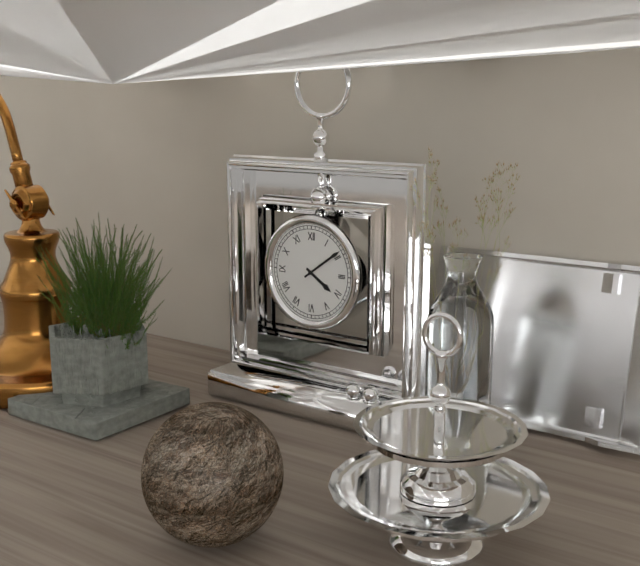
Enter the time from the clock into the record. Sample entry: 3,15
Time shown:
4,09
